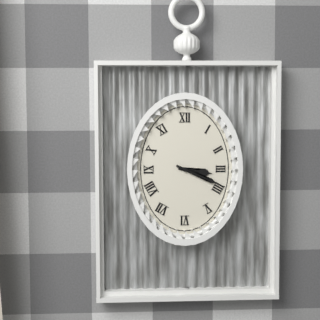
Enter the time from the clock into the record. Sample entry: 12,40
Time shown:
3,19
